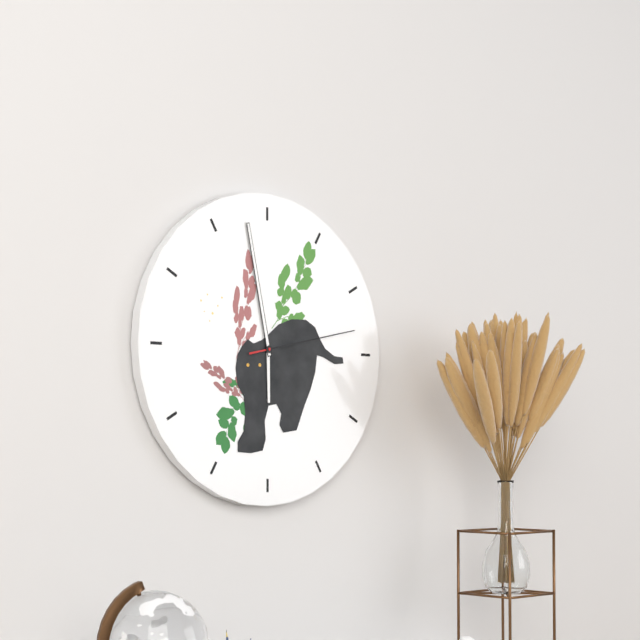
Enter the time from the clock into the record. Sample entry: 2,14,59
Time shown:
5,58,13
